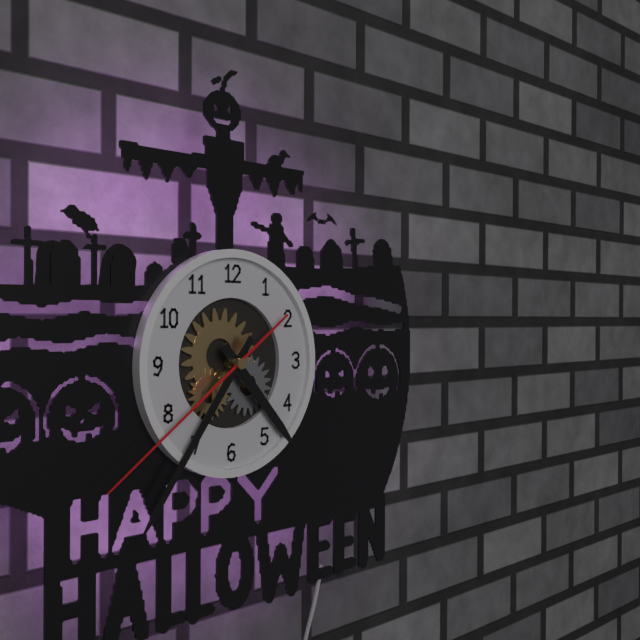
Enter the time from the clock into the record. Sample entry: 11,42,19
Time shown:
4,36,39
